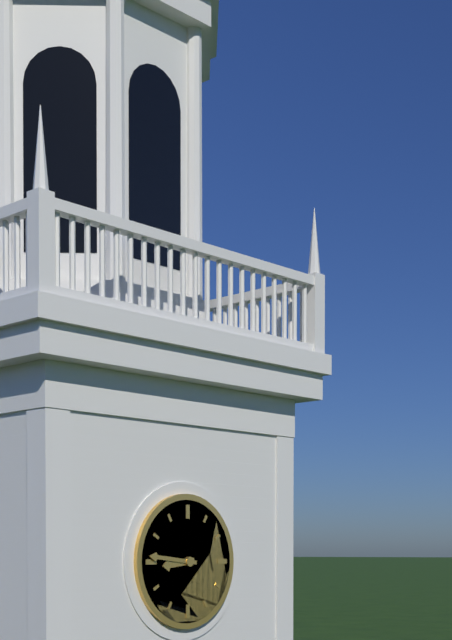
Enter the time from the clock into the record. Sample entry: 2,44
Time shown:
8,46
